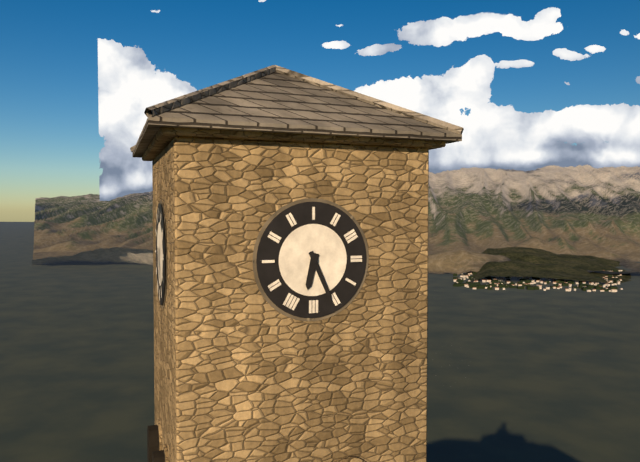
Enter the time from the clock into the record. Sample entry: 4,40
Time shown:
6,26
